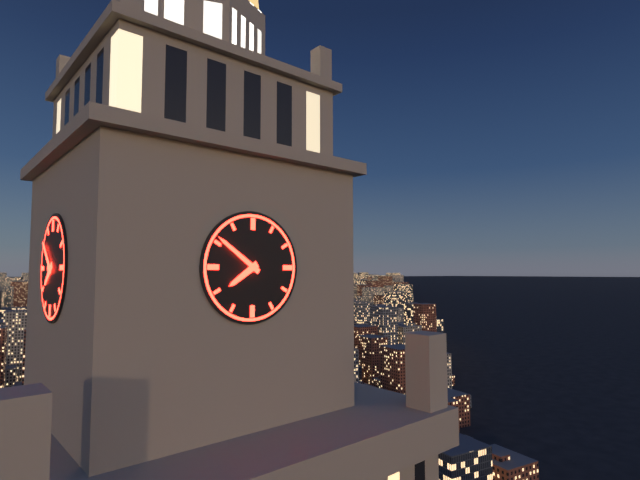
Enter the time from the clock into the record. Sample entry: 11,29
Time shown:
7,51
